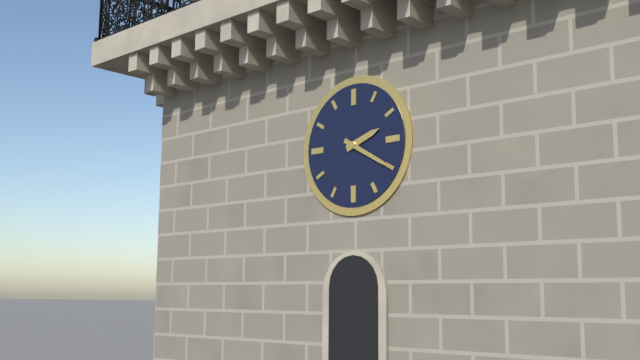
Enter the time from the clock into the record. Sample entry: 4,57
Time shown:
2,20
